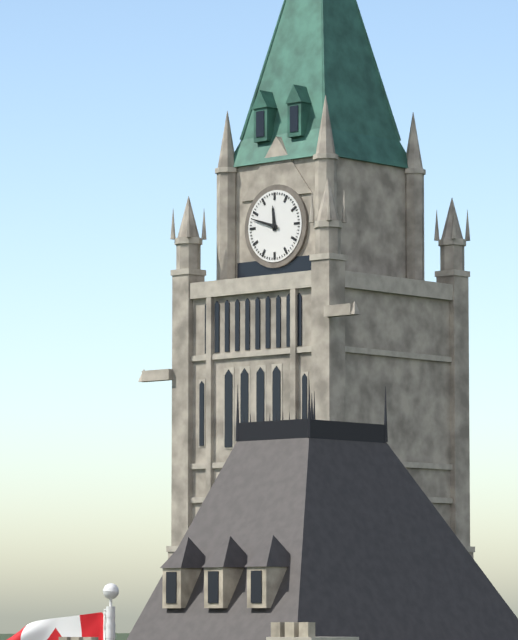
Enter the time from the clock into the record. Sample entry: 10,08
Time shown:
11,48
